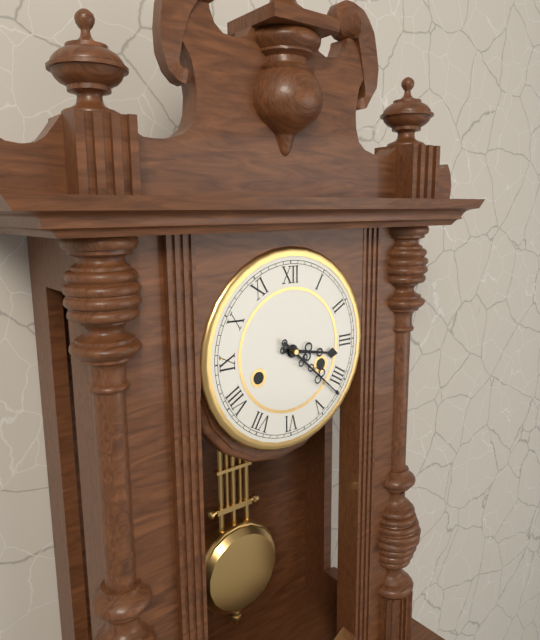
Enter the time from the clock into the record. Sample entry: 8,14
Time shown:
3,22
